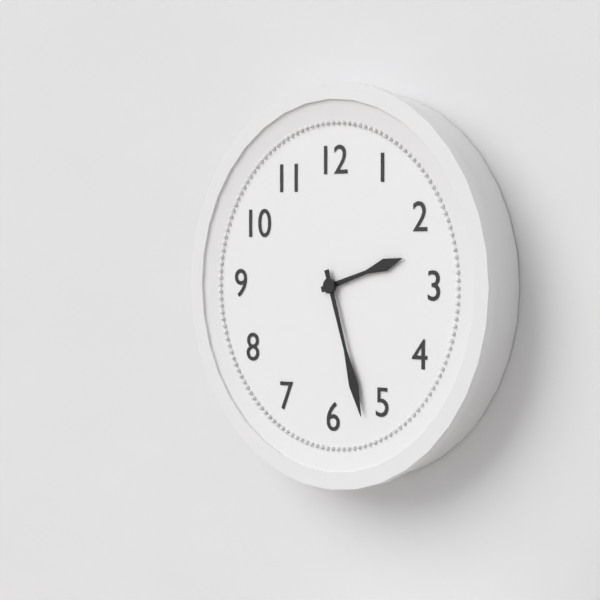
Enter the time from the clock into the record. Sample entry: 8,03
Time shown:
2,27
